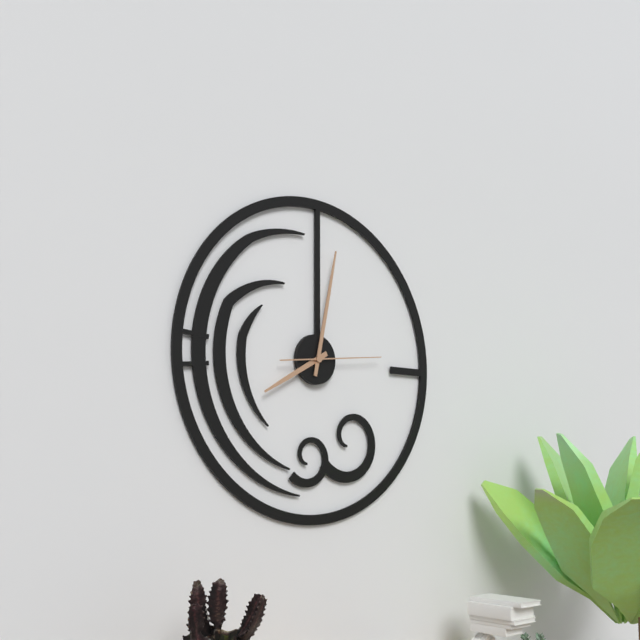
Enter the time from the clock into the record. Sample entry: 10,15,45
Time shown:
8,02,14
